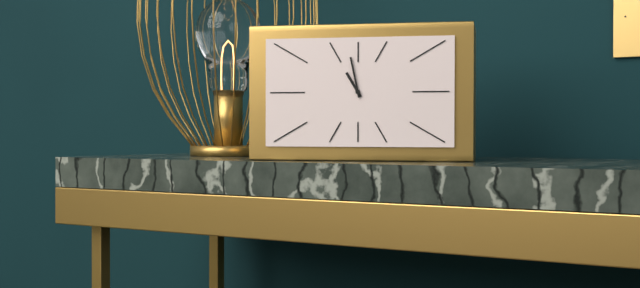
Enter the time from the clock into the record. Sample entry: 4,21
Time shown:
10,58
